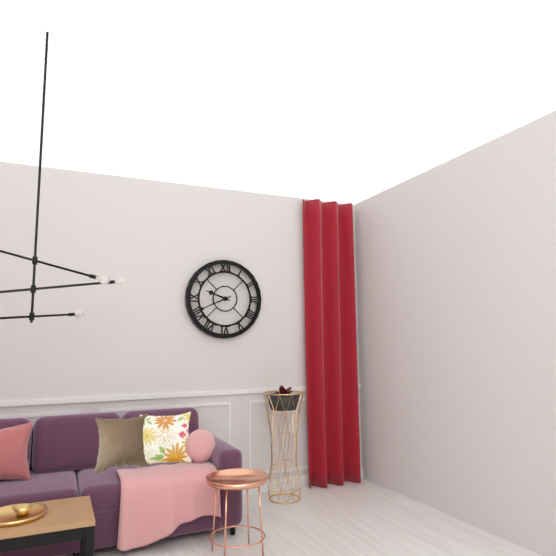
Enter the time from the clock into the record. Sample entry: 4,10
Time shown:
9,41
